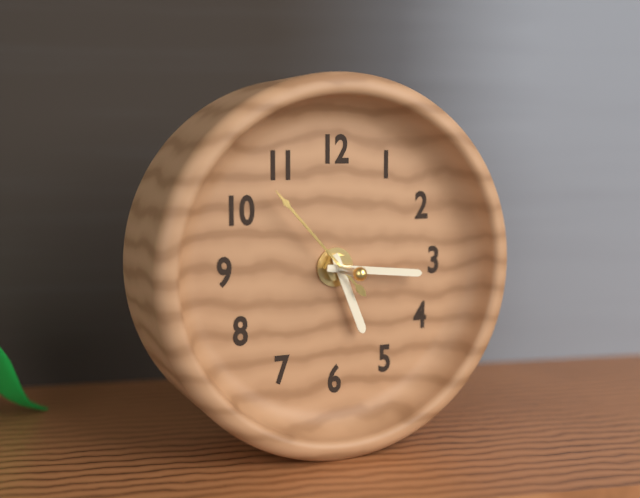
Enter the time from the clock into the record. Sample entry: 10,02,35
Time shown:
5,16,53
